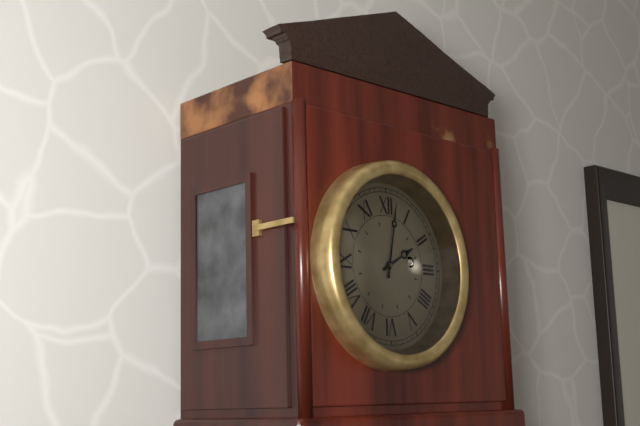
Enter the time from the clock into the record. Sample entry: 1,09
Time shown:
2,02
